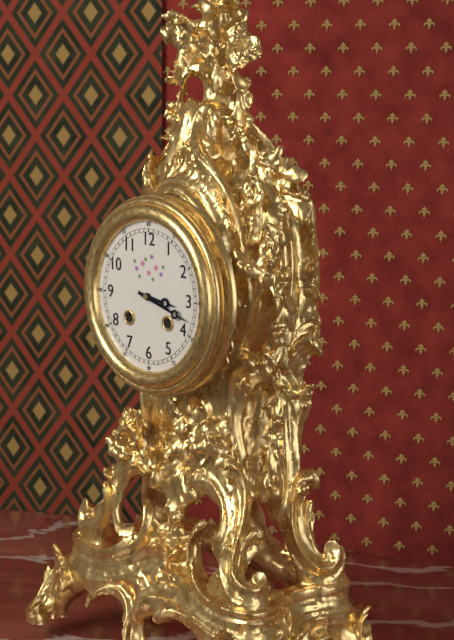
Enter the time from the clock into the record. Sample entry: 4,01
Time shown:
3,18
